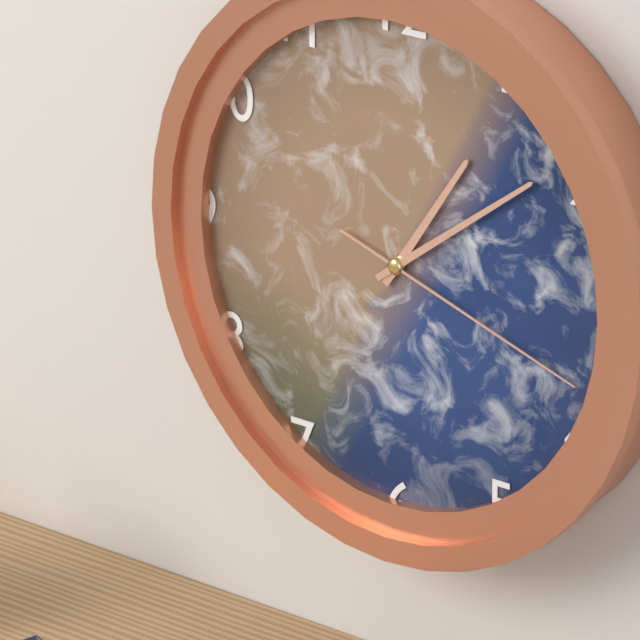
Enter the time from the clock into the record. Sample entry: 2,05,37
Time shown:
1,09,18
